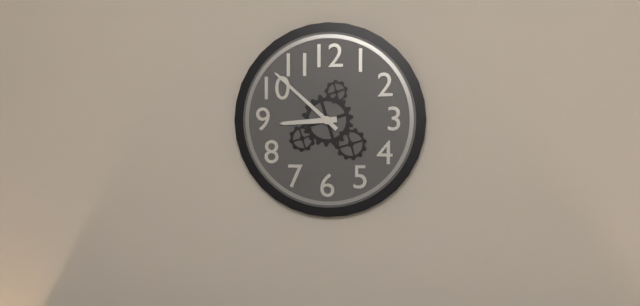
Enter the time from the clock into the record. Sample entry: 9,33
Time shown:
8,52
